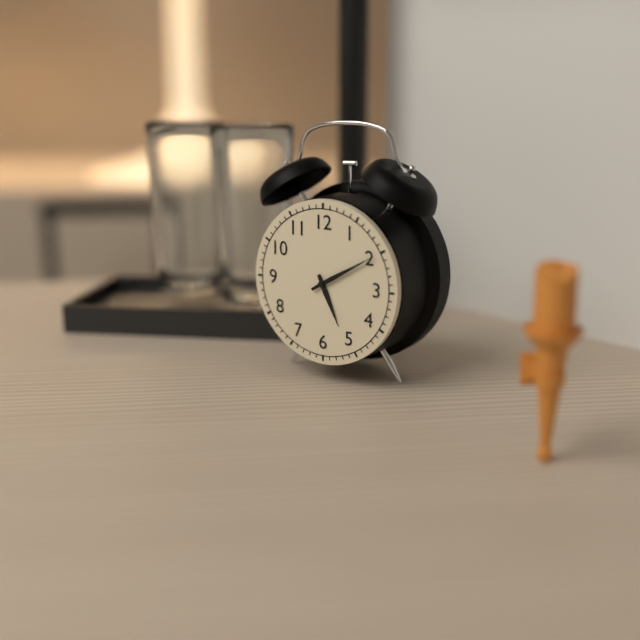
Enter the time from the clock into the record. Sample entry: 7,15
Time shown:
5,10
